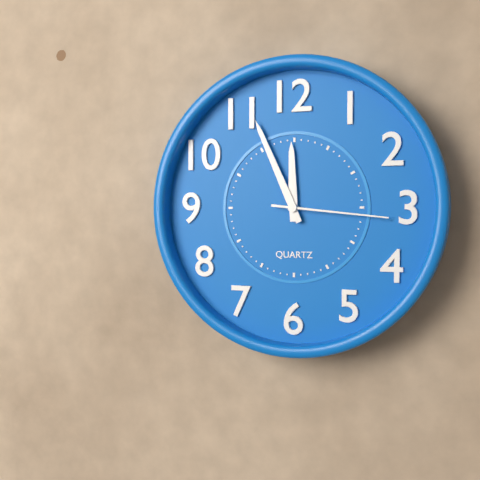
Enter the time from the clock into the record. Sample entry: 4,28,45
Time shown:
11,56,16
